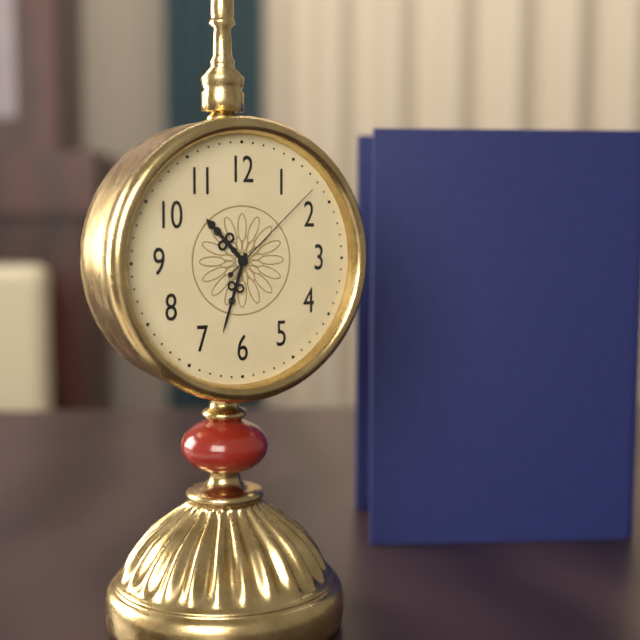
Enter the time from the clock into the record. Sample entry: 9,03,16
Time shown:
10,33,08
